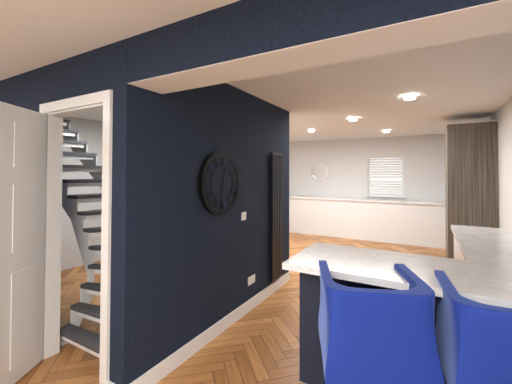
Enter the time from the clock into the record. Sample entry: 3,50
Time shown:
12,32
